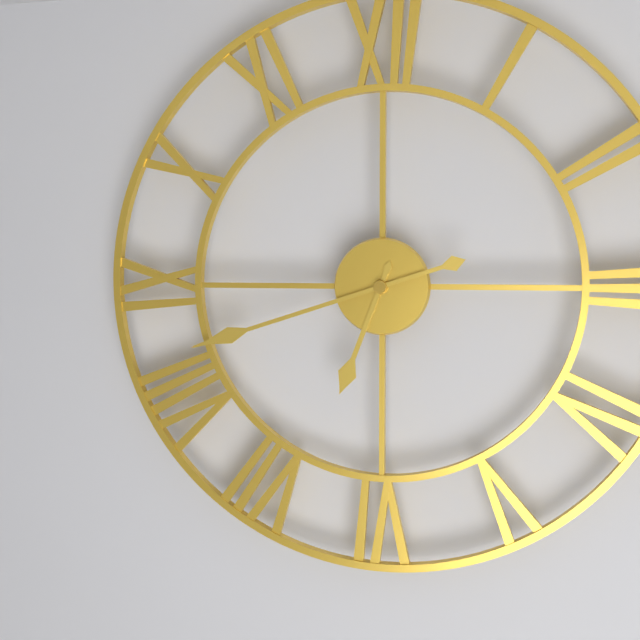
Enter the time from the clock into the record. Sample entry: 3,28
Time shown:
6,42
